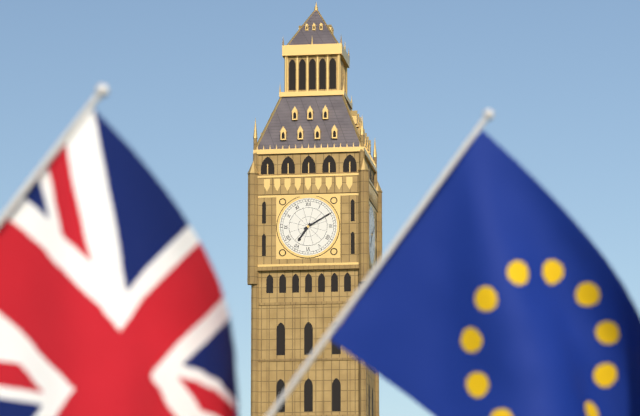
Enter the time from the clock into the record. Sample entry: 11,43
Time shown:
7,10
